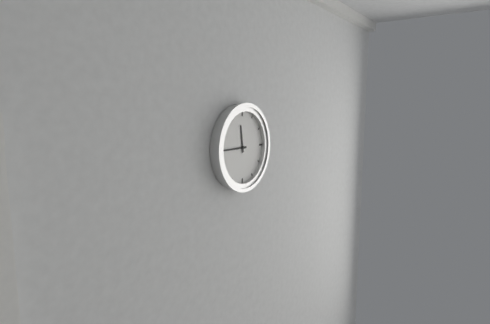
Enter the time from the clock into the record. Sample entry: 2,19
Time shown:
11,45
